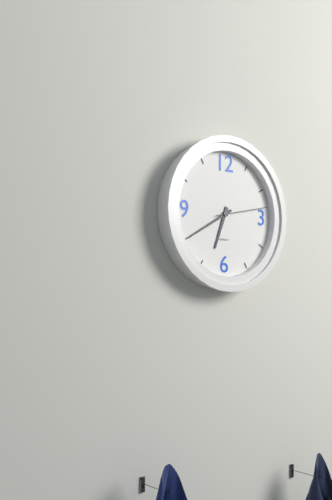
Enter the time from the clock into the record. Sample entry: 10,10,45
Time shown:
6,40,13
